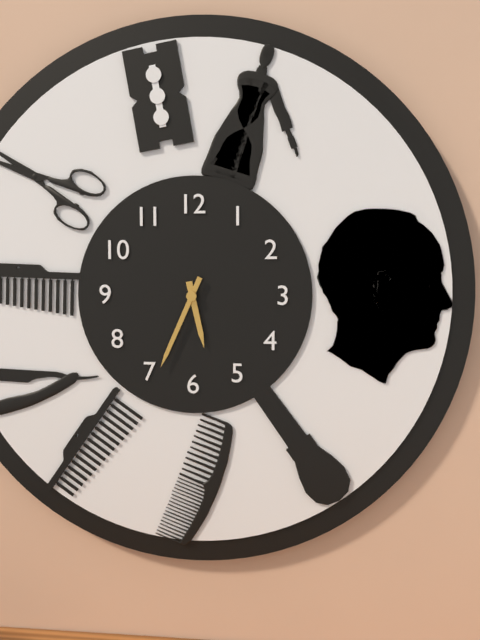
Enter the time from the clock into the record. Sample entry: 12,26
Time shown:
5,34
